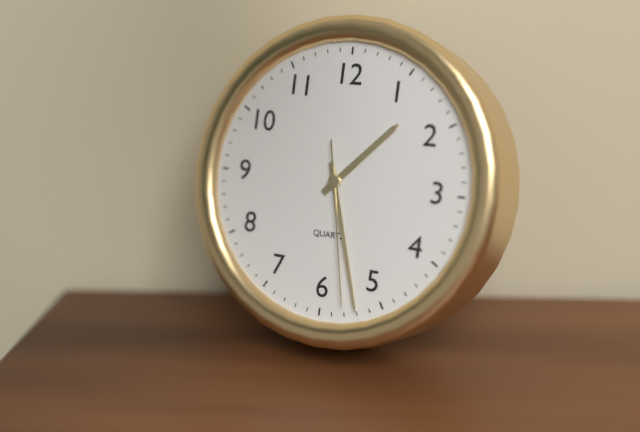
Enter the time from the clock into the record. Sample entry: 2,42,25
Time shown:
1,27,28
